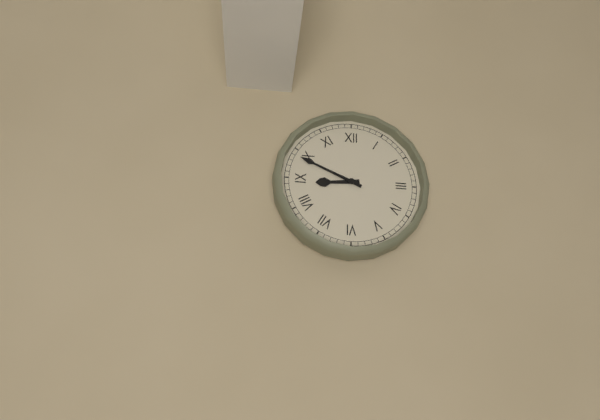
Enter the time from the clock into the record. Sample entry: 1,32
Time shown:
8,49
